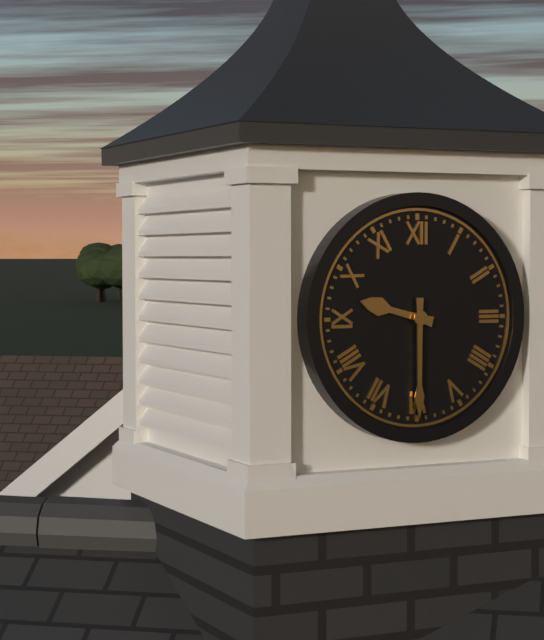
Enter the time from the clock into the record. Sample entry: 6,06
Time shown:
9,30
